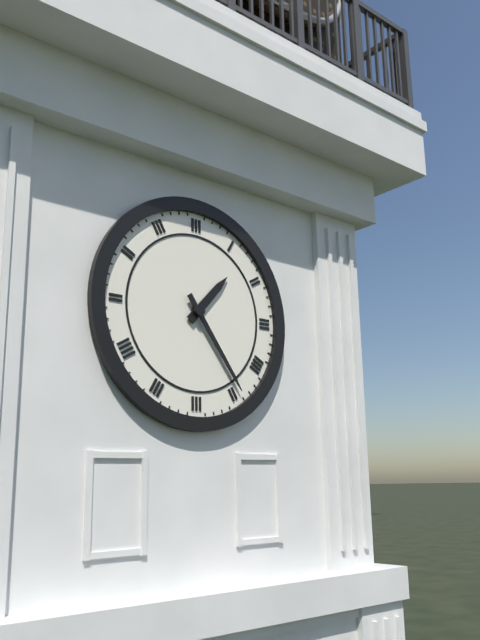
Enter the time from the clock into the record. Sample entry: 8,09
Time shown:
1,24
